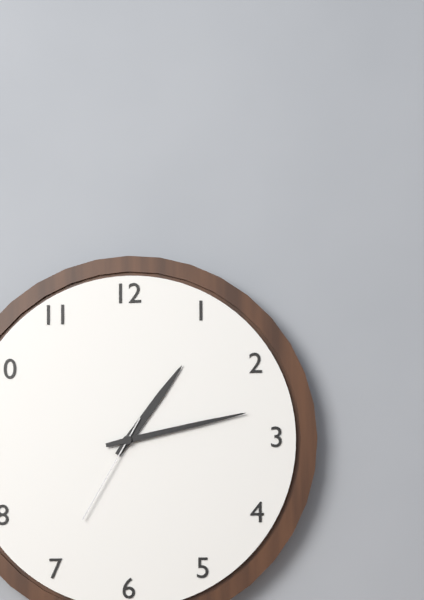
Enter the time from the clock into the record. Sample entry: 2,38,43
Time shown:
1,13,35
